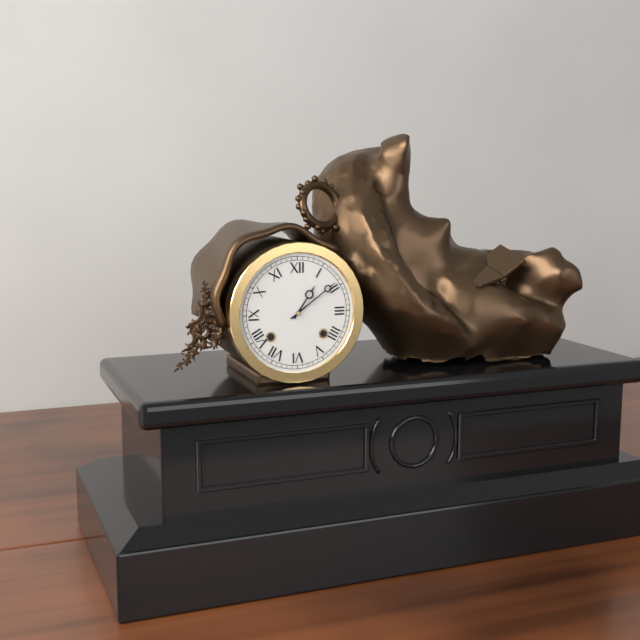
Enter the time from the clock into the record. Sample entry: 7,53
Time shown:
1,09
